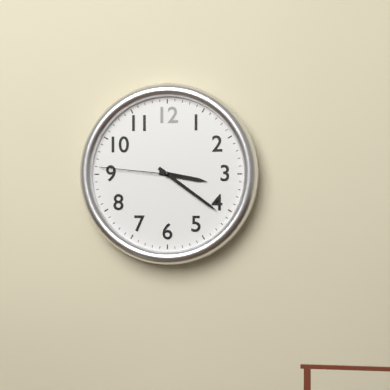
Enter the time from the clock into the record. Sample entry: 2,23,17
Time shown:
3,21,46
